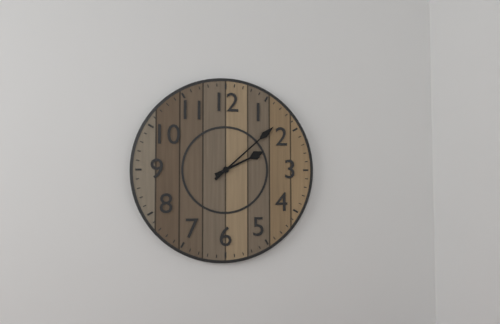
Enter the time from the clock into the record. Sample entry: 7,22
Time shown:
2,08
